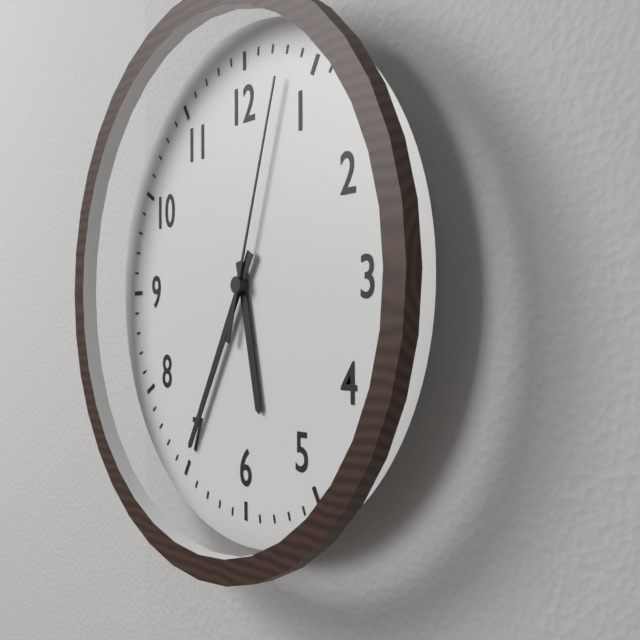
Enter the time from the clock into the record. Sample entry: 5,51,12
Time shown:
5,35,03
